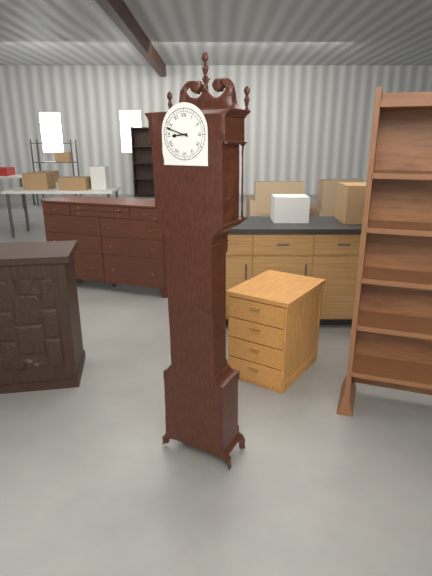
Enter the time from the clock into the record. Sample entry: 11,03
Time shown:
8,48
